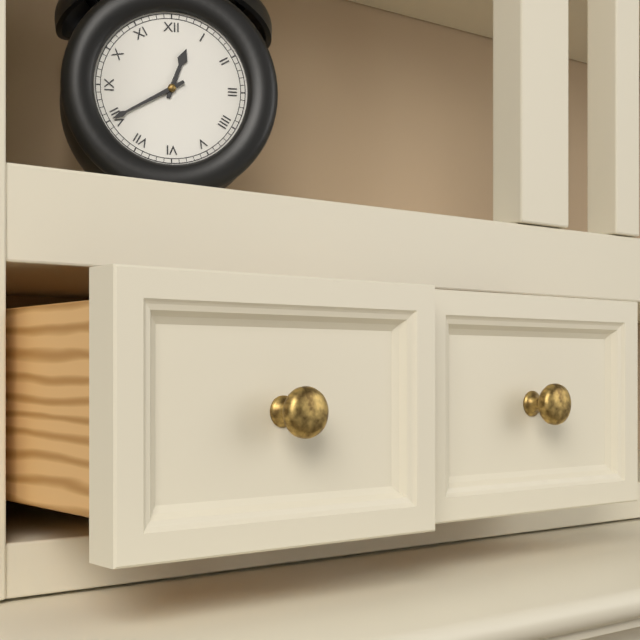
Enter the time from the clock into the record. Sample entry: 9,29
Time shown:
12,40
